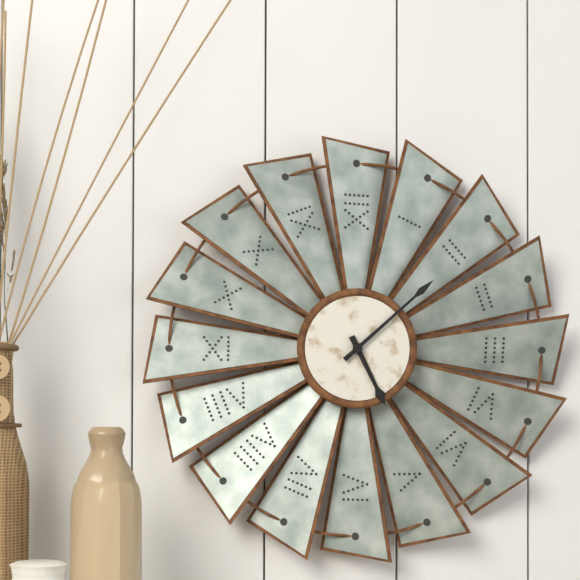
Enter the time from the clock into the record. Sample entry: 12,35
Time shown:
5,08
